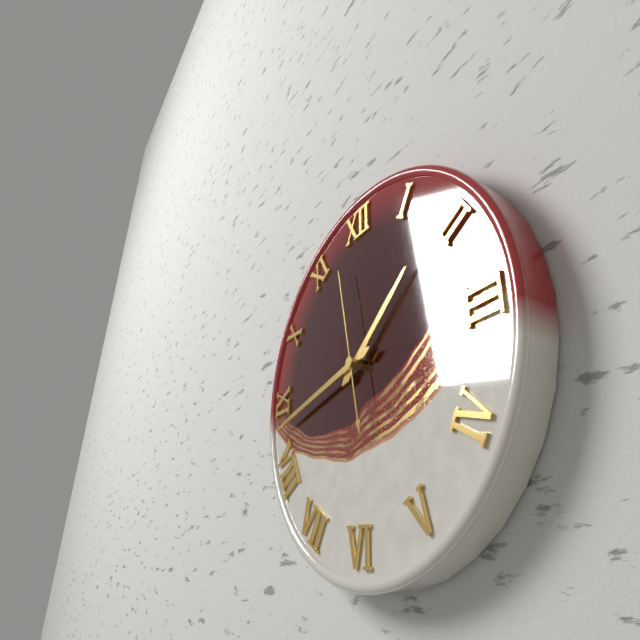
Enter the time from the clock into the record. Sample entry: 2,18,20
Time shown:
1,43,58
